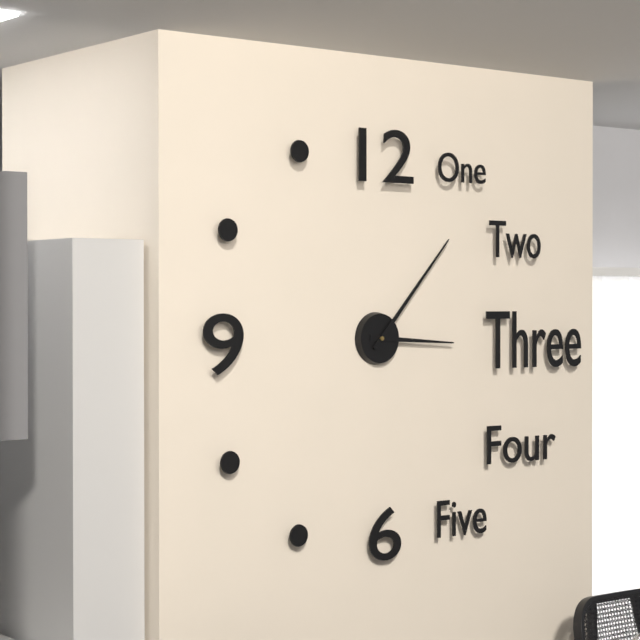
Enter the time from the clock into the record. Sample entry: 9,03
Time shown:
3,07
